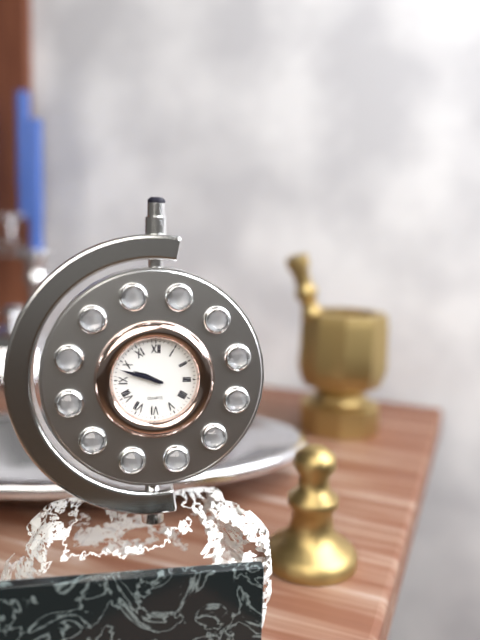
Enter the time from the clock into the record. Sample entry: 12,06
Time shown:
9,48
